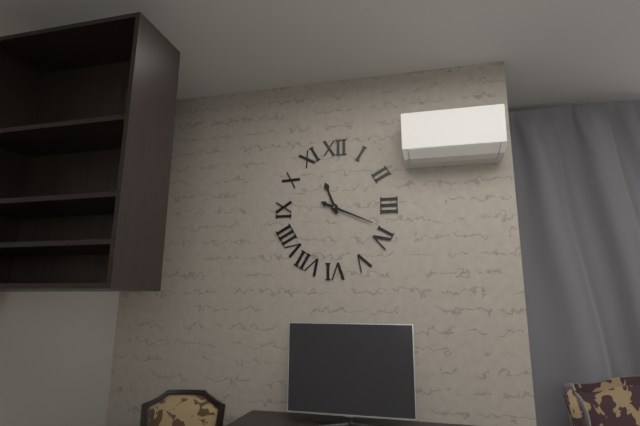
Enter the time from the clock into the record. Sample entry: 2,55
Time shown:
11,19
